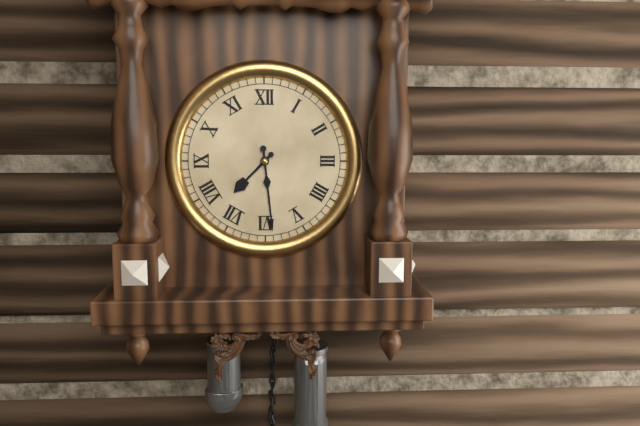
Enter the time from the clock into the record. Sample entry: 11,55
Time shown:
7,29
